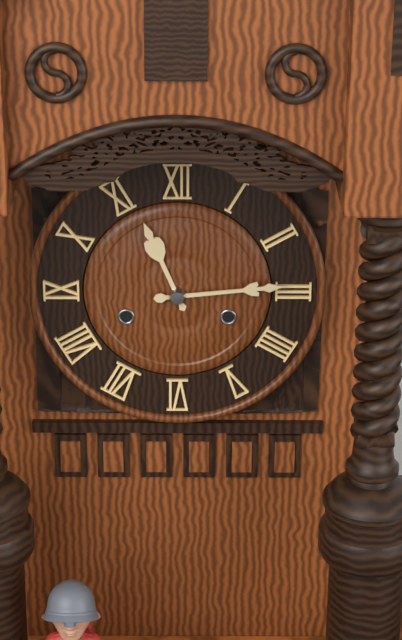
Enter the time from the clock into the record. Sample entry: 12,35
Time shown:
11,14
